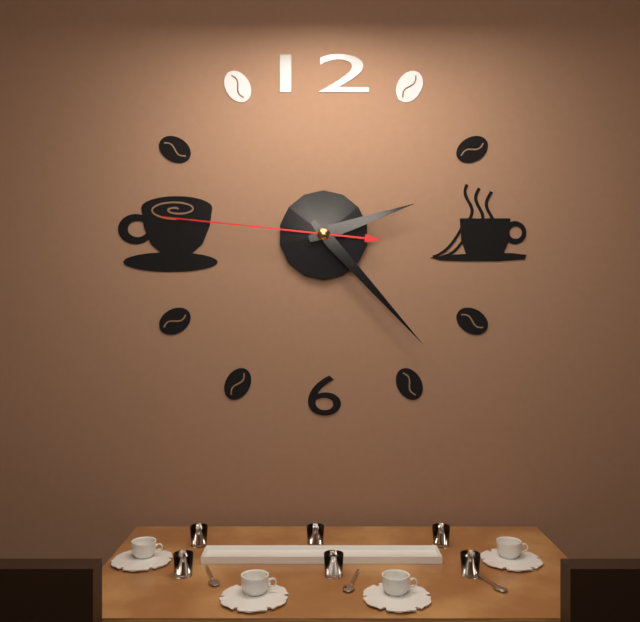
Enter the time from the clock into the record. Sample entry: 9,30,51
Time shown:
2,23,46
